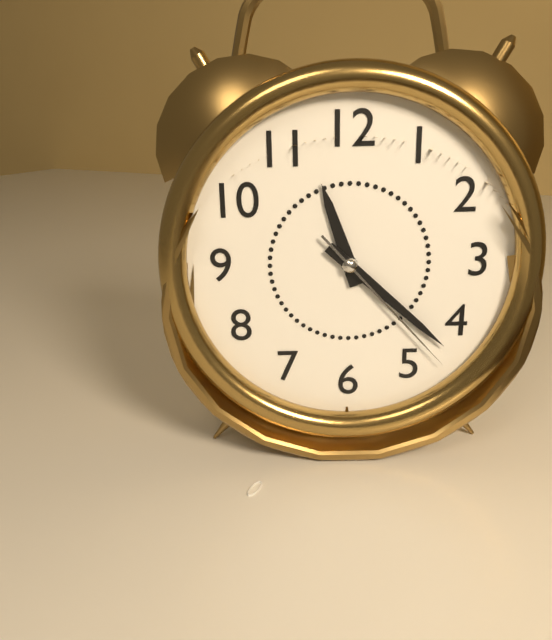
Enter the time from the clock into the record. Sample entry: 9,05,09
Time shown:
11,22,23
